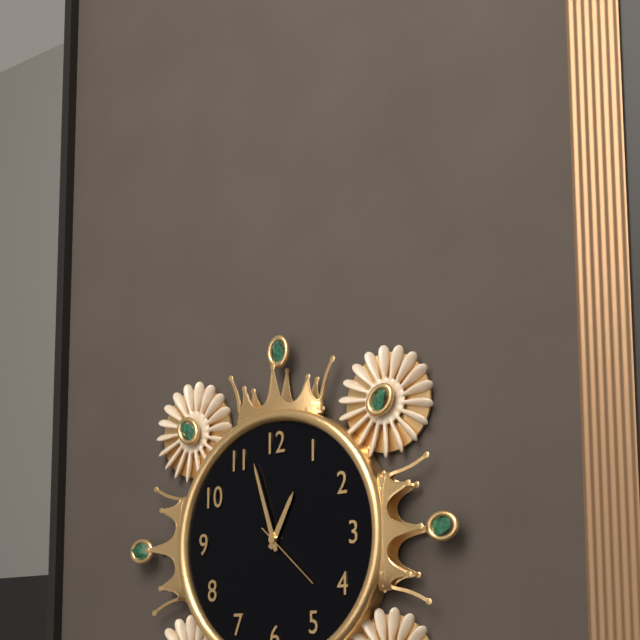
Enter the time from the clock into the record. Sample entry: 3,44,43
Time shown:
12,57,22
